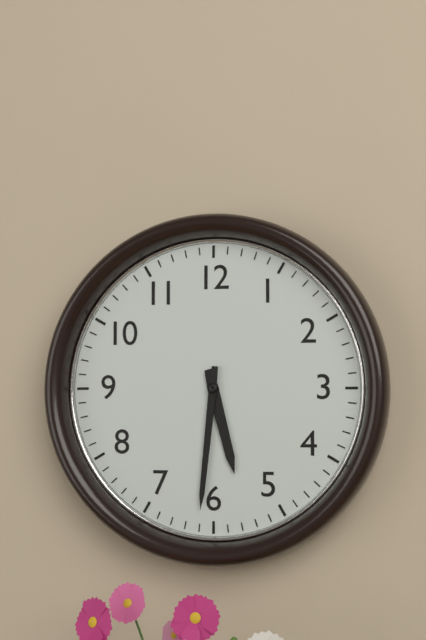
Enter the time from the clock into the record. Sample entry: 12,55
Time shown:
5,31
